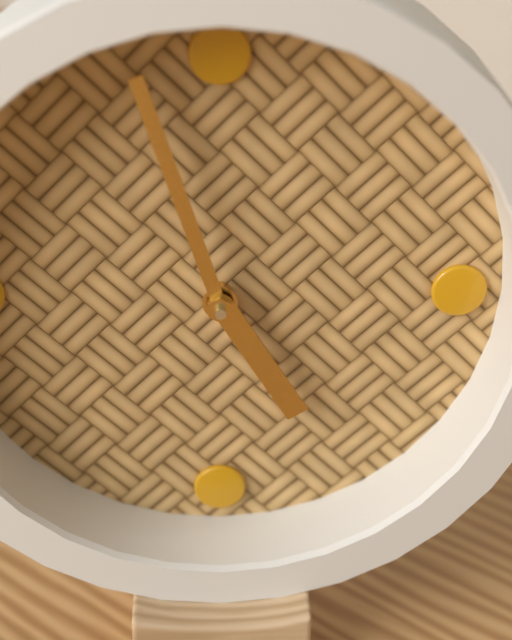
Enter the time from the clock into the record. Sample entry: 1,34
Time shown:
4,57
